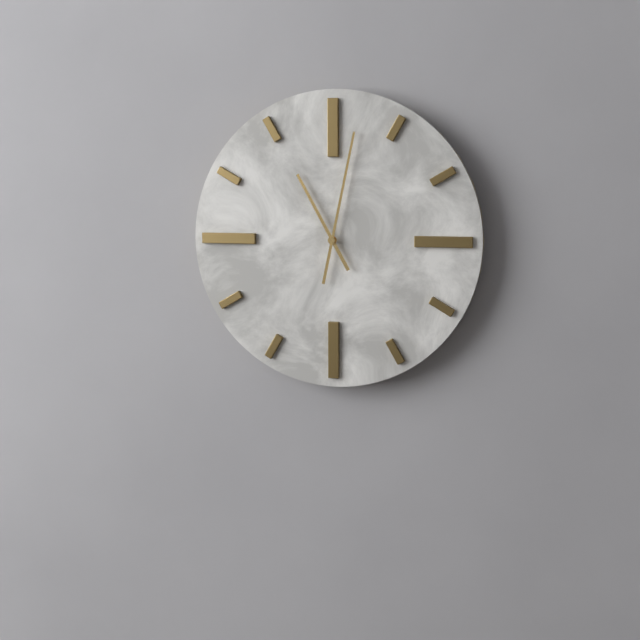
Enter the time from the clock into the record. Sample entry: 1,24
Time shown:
11,02
